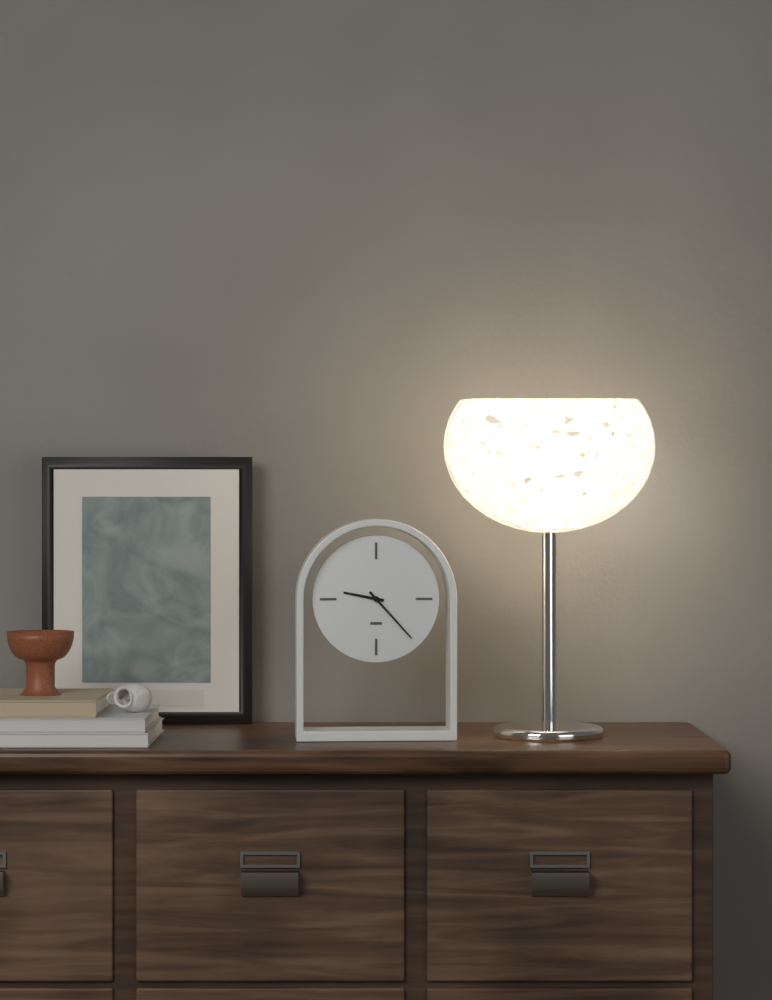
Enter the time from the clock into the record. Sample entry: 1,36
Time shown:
9,23
